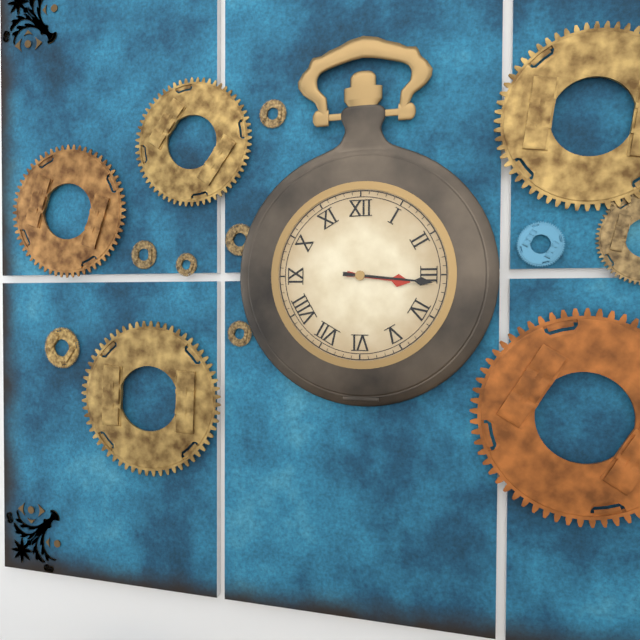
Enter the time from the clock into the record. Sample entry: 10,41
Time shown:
3,16
